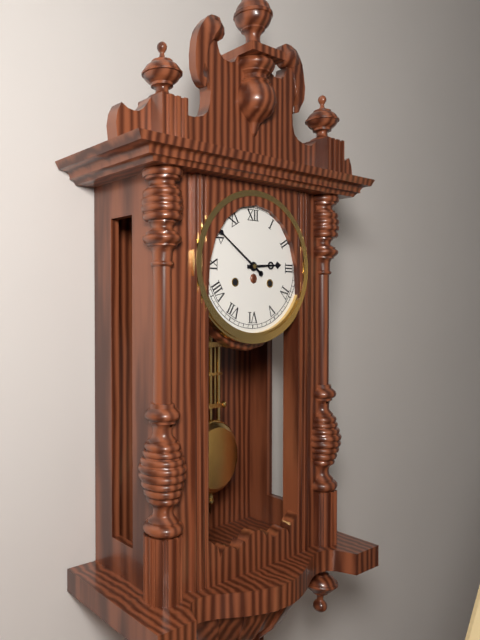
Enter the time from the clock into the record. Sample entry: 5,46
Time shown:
2,51
